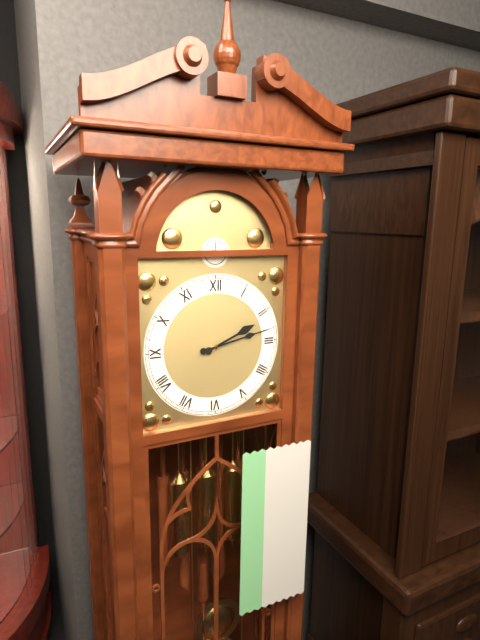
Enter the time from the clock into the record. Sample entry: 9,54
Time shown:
2,13
